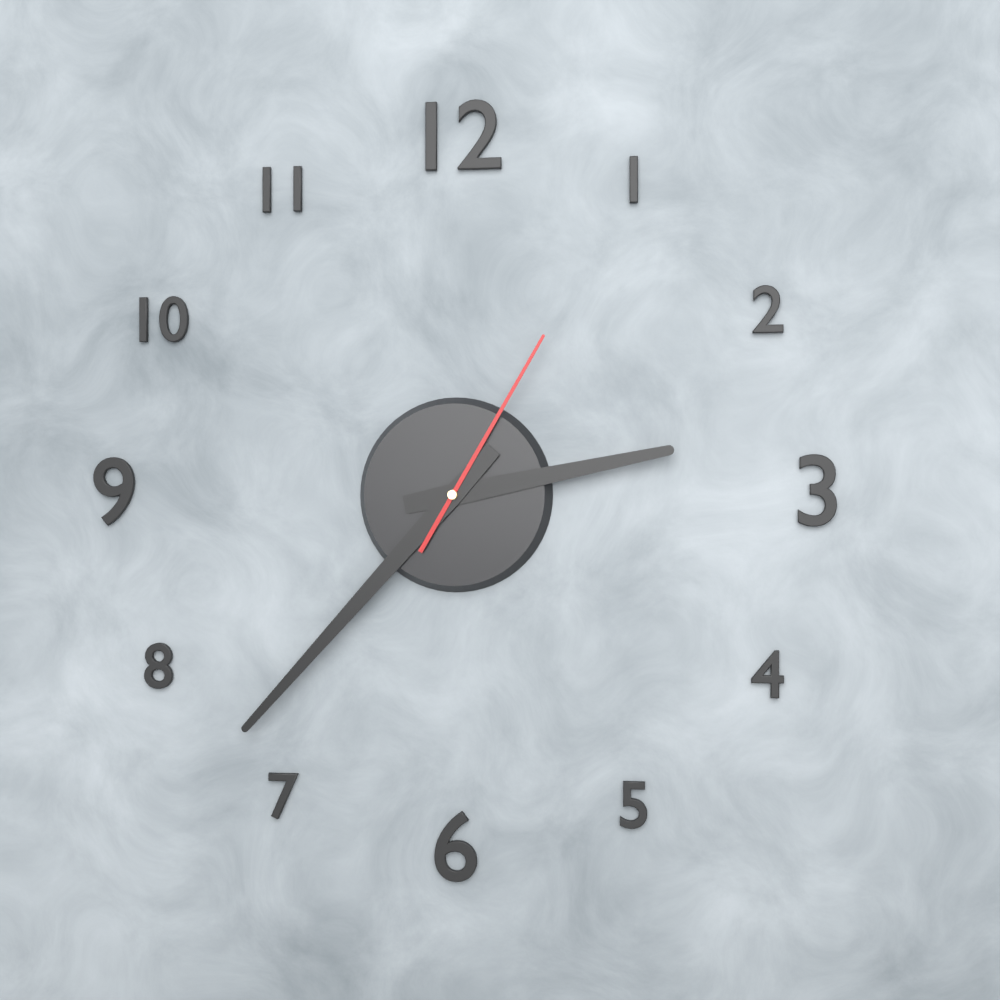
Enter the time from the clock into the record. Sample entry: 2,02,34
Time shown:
2,37,05
